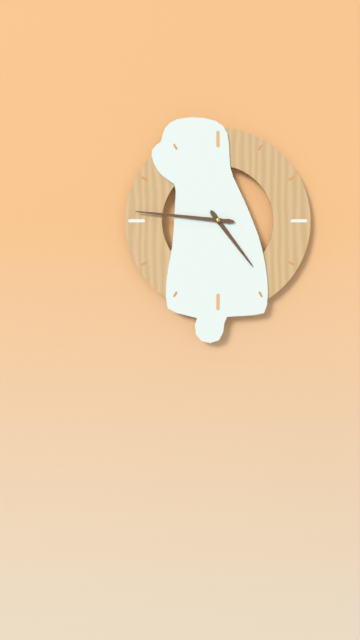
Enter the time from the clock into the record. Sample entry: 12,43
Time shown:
4,46
